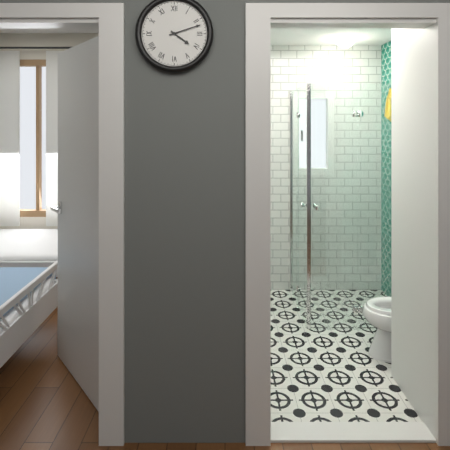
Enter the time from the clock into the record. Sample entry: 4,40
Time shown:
4,12
